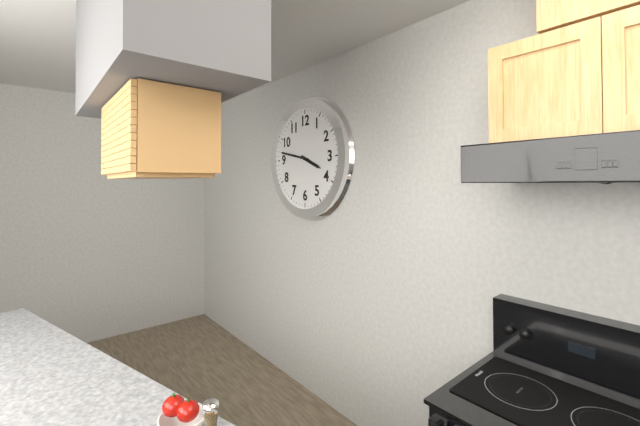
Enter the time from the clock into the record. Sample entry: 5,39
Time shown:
3,47
